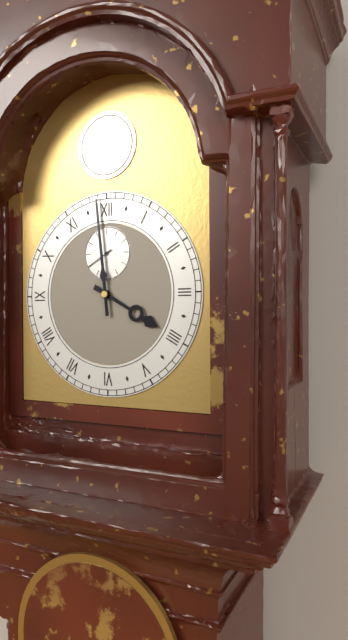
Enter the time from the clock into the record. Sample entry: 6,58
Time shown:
3,59
